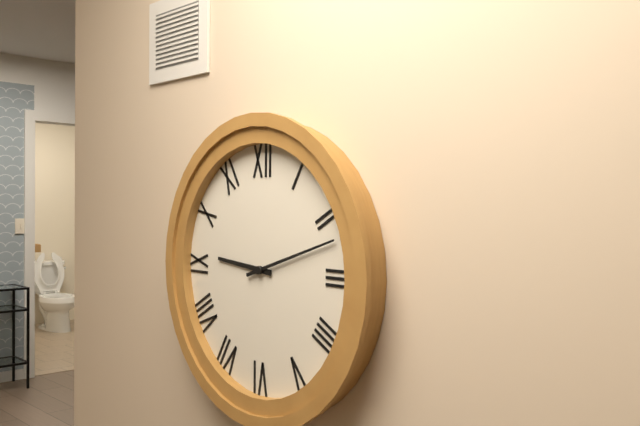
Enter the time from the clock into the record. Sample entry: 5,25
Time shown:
9,12
